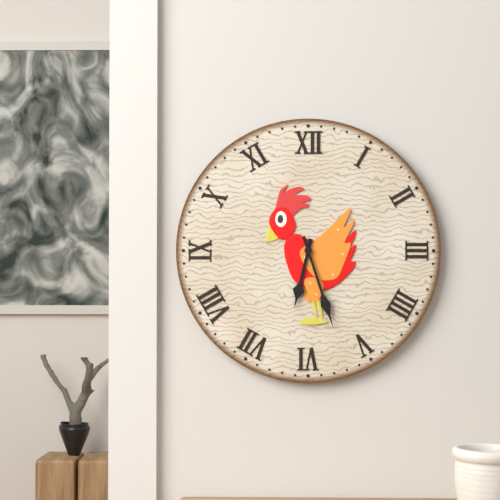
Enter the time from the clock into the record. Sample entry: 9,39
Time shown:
6,27
